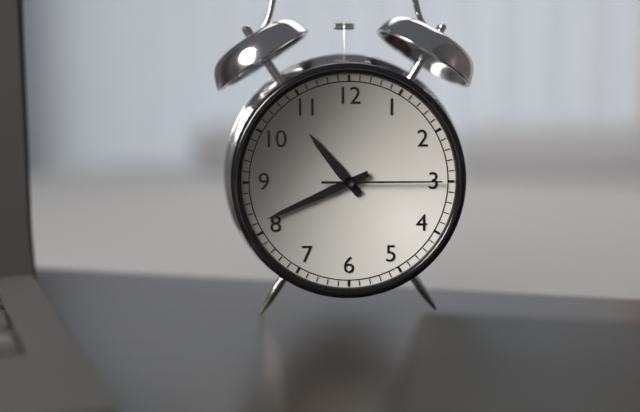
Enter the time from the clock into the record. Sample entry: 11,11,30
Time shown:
10,41,15
